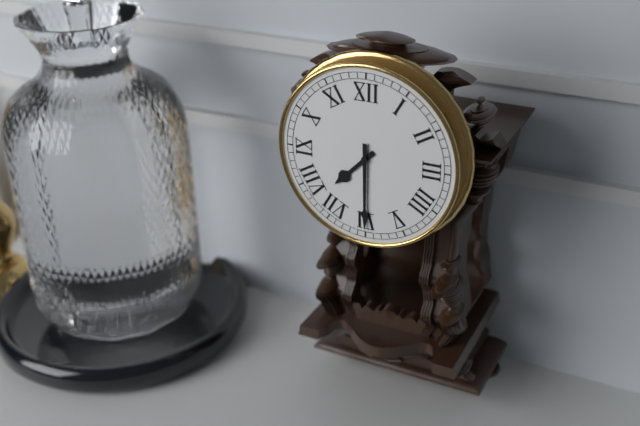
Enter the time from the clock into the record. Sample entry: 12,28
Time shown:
7,30
